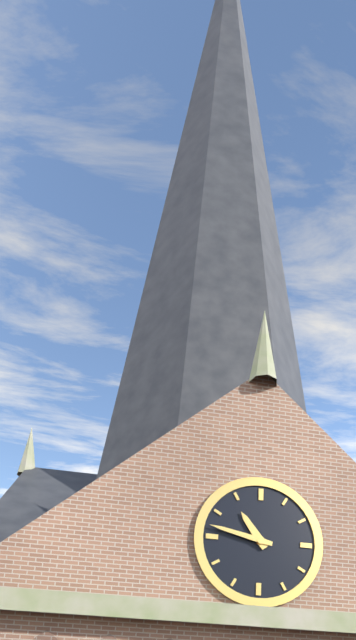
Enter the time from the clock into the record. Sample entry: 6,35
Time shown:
10,47
